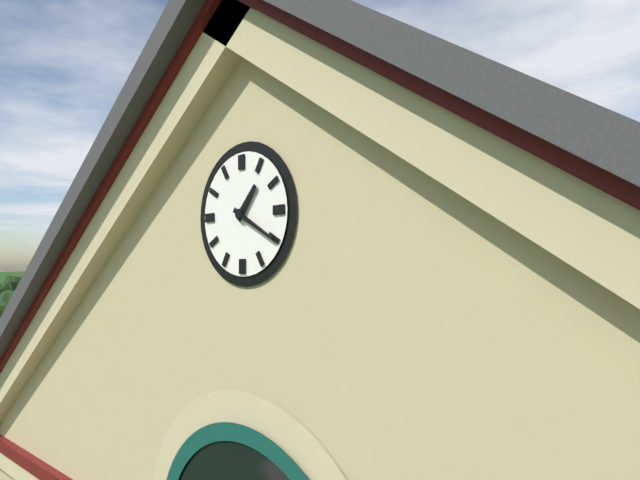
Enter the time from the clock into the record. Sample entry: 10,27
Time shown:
1,20
